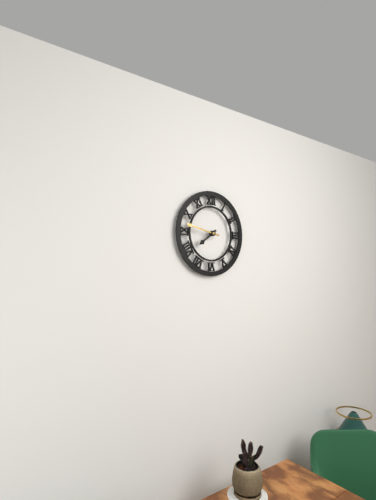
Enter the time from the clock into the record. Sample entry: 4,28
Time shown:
7,47
